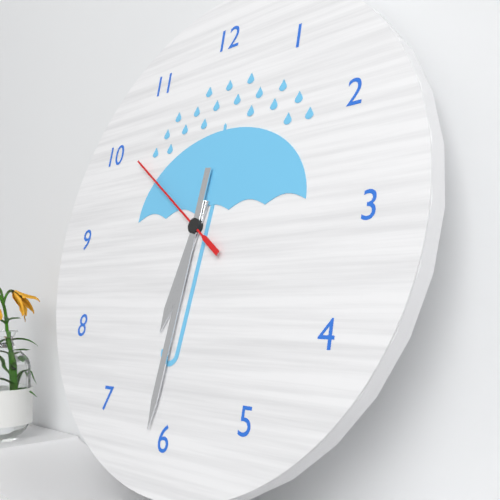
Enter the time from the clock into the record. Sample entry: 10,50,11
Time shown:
6,31,51
